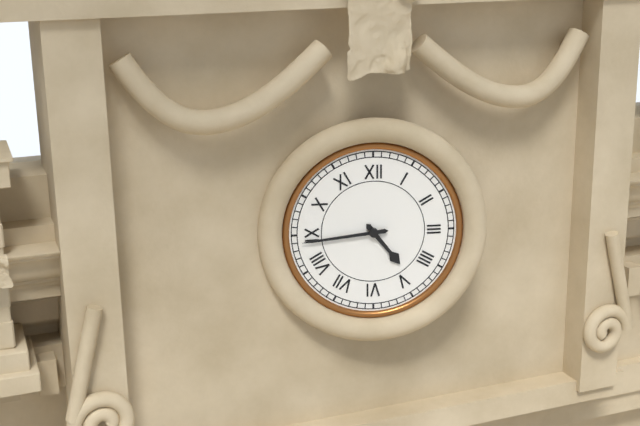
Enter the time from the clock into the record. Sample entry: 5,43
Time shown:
4,44
